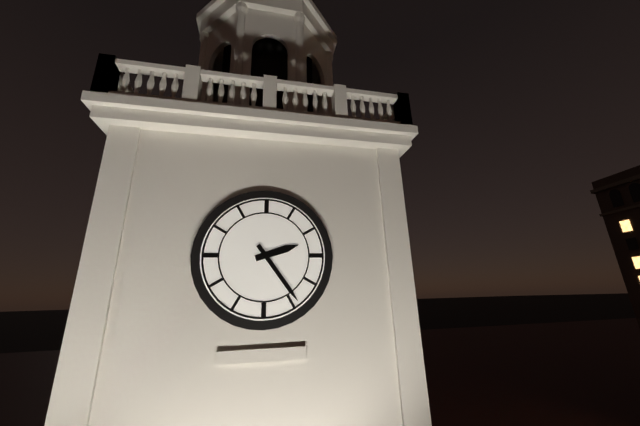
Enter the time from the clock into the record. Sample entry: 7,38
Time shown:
2,24
